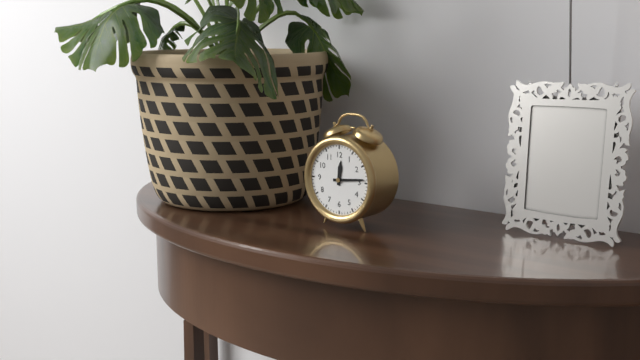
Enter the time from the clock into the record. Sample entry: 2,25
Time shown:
12,14
